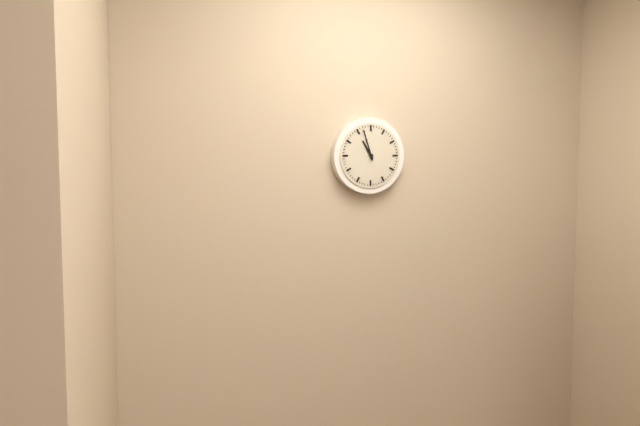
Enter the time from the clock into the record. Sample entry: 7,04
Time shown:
10,57
